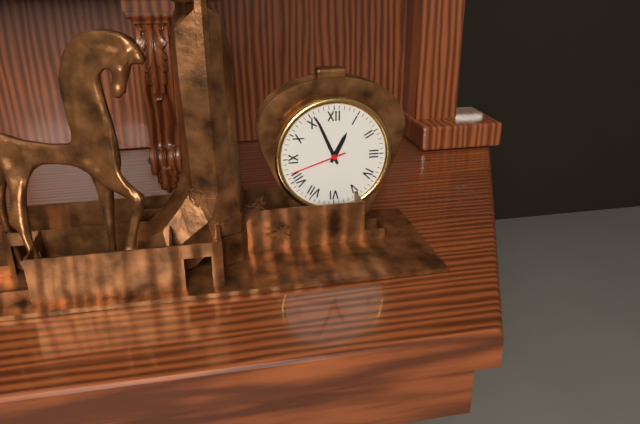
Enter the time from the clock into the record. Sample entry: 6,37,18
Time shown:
12,56,42
